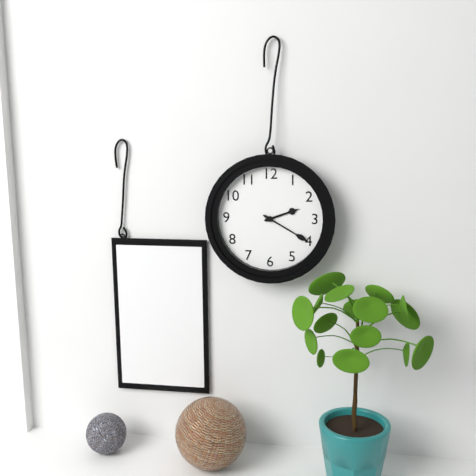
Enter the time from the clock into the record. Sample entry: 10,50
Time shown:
2,20
